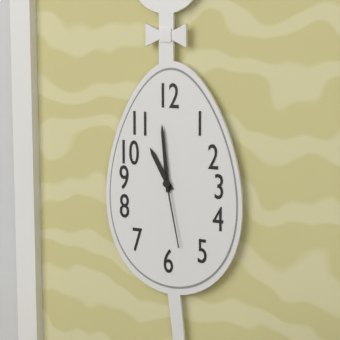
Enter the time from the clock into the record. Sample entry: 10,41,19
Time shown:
10,59,28
